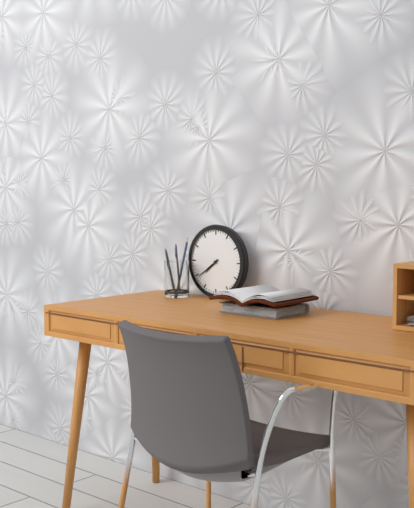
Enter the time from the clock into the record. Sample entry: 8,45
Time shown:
7,39
